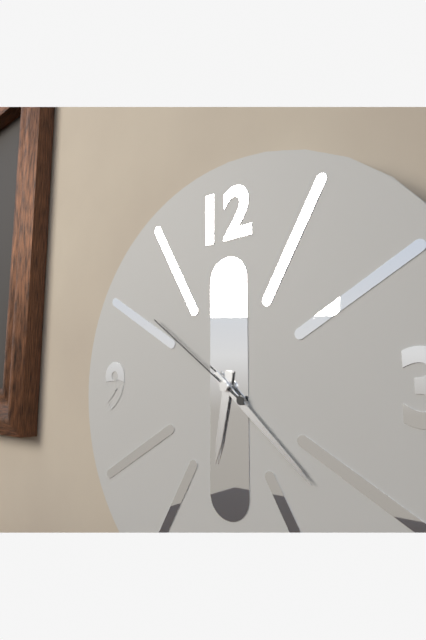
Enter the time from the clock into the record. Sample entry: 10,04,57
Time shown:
6,22,51
